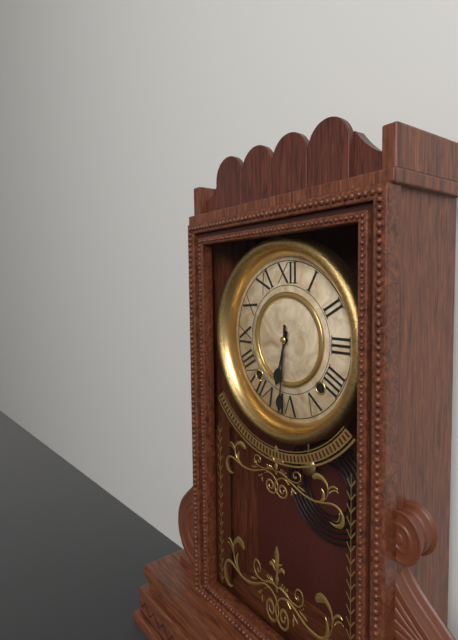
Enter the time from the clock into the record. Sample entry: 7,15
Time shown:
6,31
